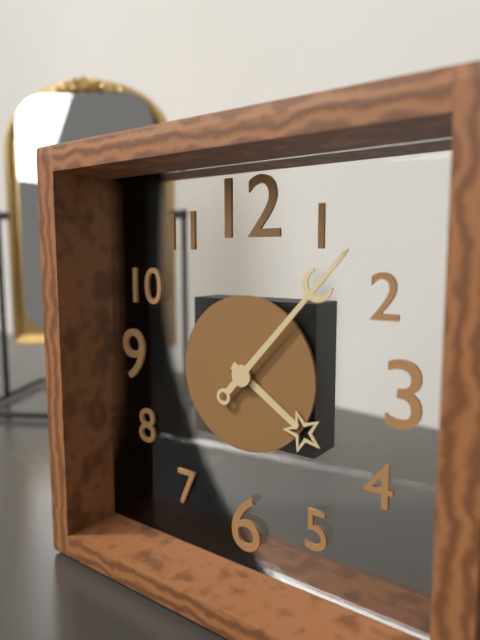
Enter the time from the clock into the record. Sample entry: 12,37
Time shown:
4,07
